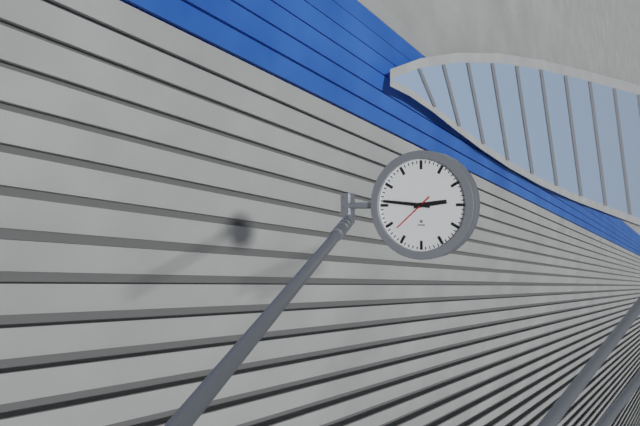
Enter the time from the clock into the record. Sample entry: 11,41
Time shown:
2,46
